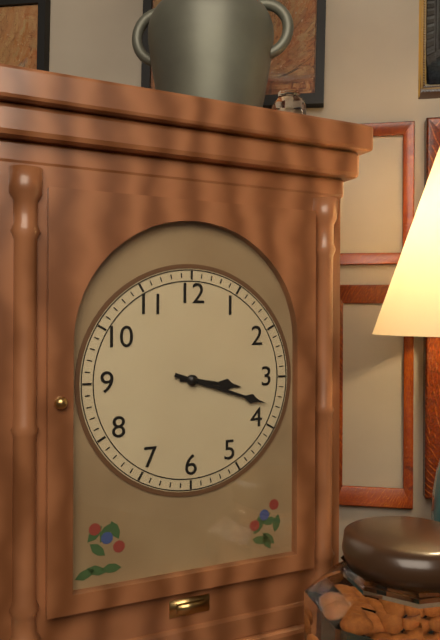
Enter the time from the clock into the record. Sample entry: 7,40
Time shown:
3,18
